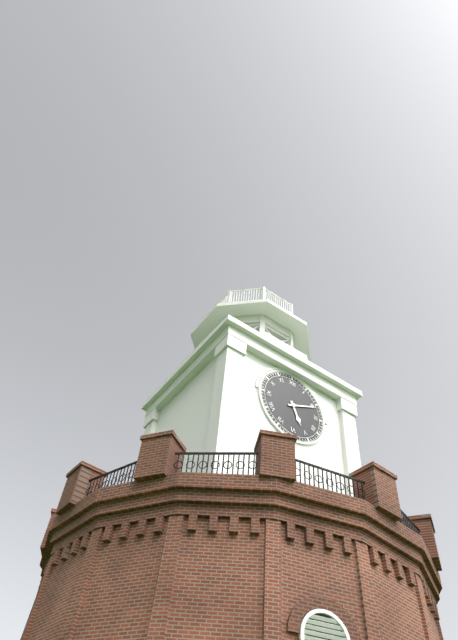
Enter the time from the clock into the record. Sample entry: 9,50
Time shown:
5,11
